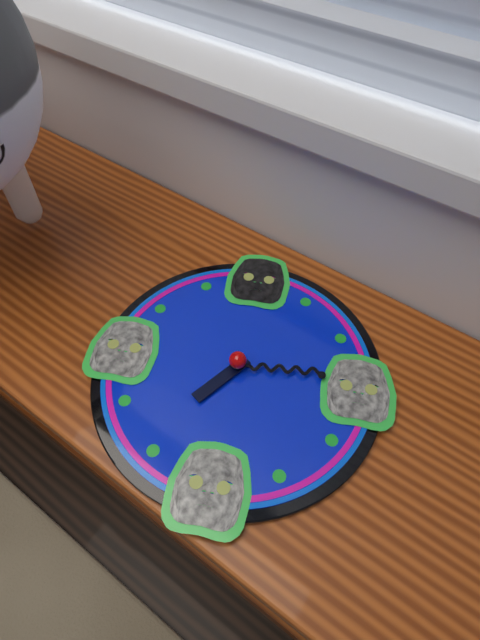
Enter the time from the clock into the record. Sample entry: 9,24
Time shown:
7,14
